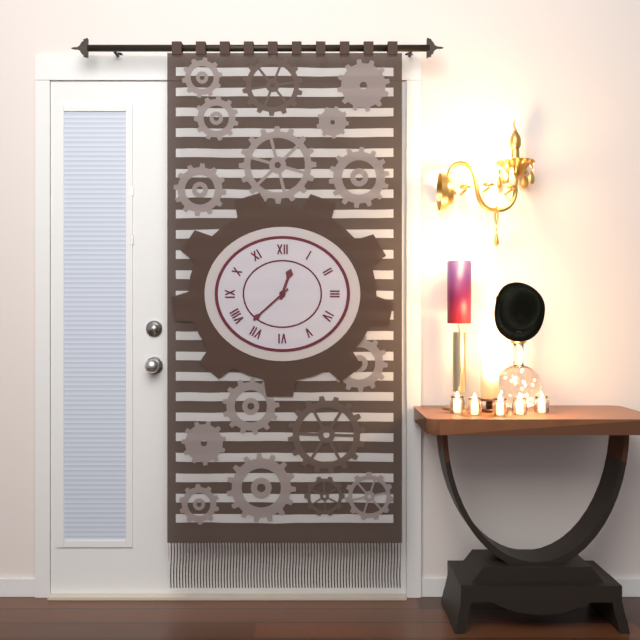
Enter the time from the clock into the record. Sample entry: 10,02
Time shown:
12,38
